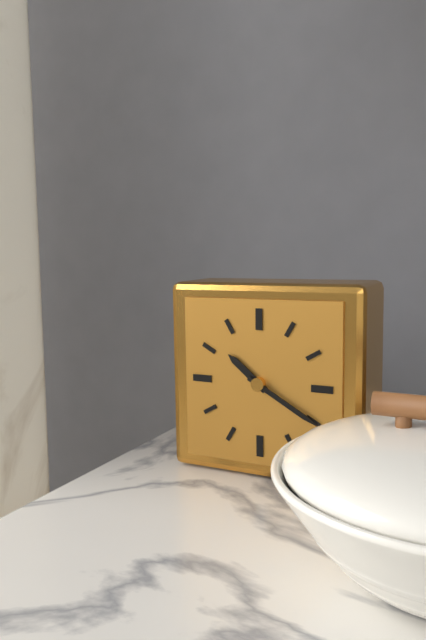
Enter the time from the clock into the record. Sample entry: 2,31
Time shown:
10,20
